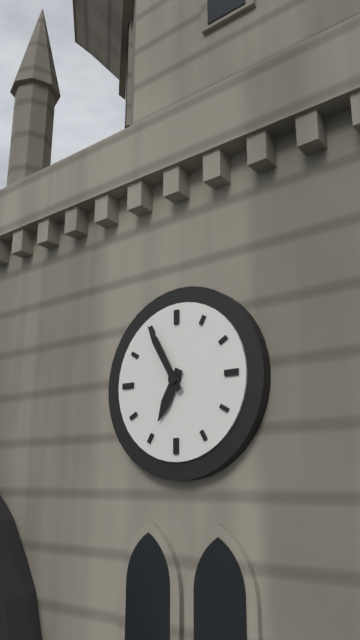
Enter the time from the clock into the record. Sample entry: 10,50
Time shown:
6,55
